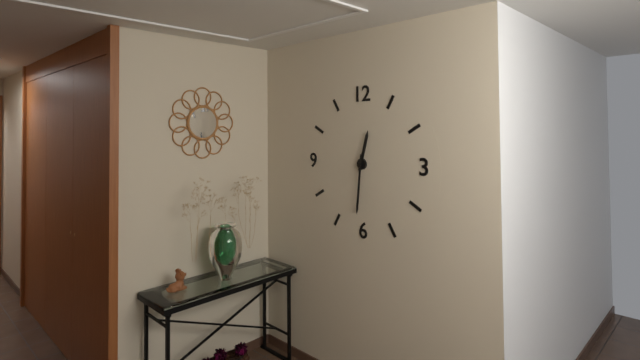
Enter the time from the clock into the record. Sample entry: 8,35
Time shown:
12,31
